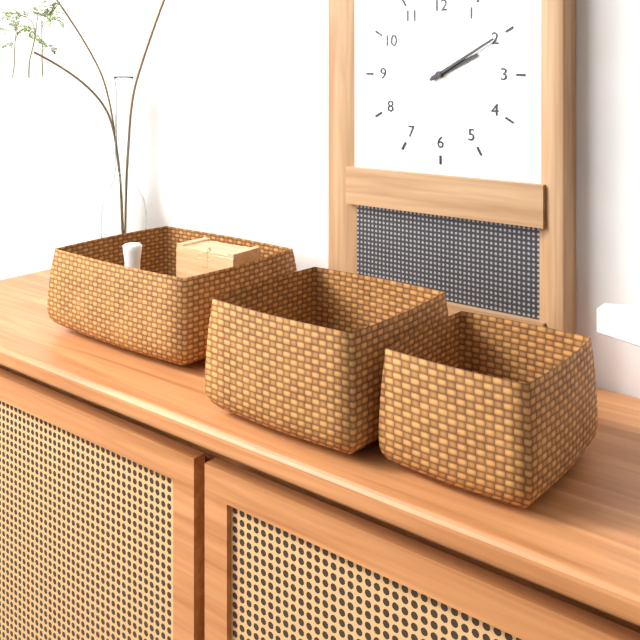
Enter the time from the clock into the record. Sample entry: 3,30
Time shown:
2,10
